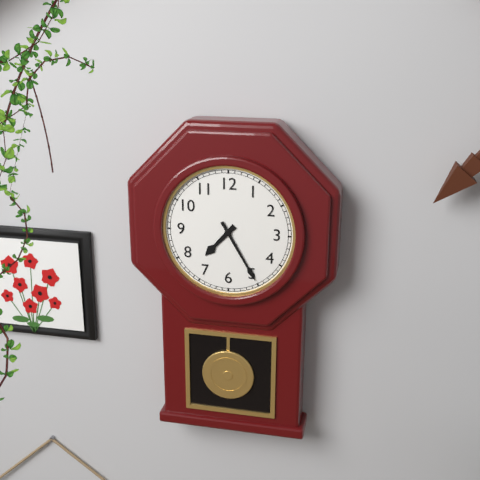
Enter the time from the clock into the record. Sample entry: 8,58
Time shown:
7,25
